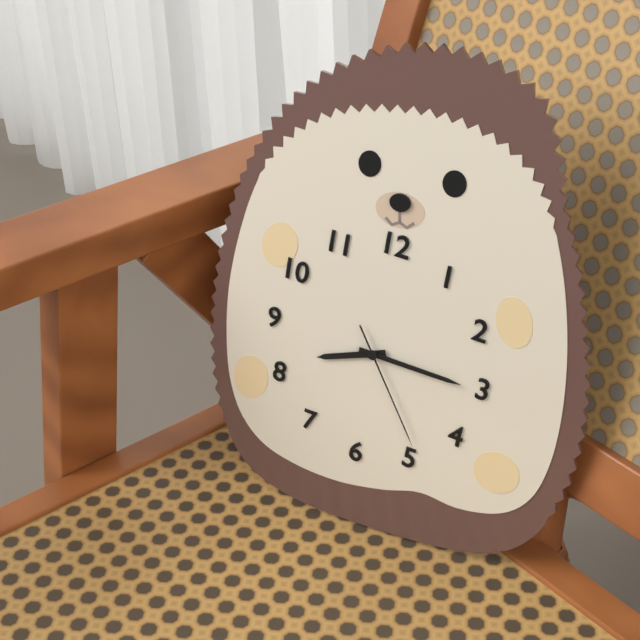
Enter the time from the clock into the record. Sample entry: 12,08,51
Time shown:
8,15,24
